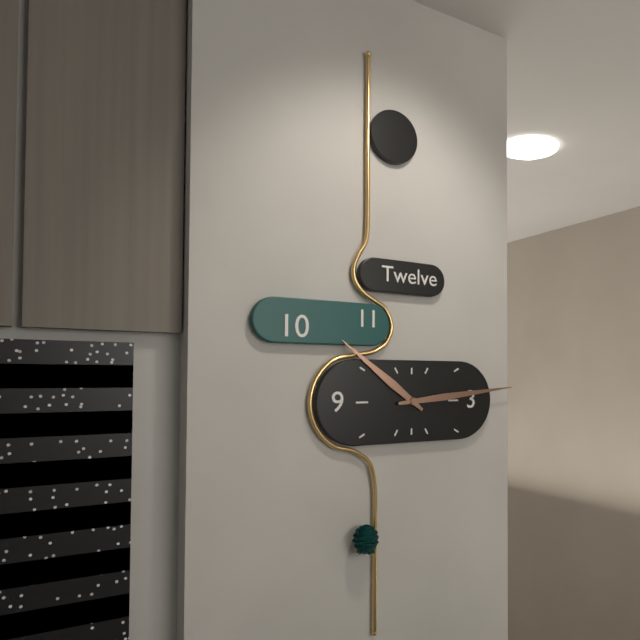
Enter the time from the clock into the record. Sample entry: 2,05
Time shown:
10,14
